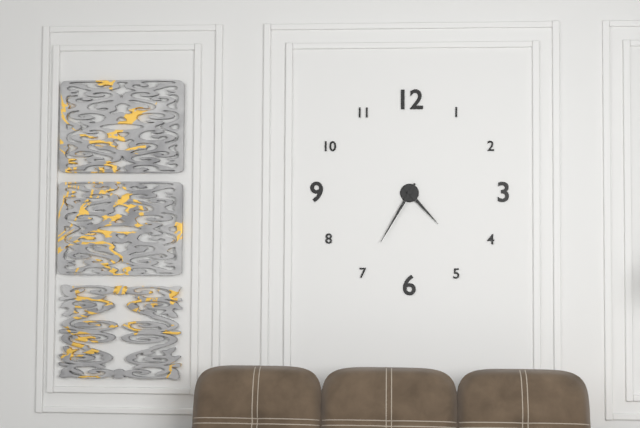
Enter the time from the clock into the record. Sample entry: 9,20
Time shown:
4,35
